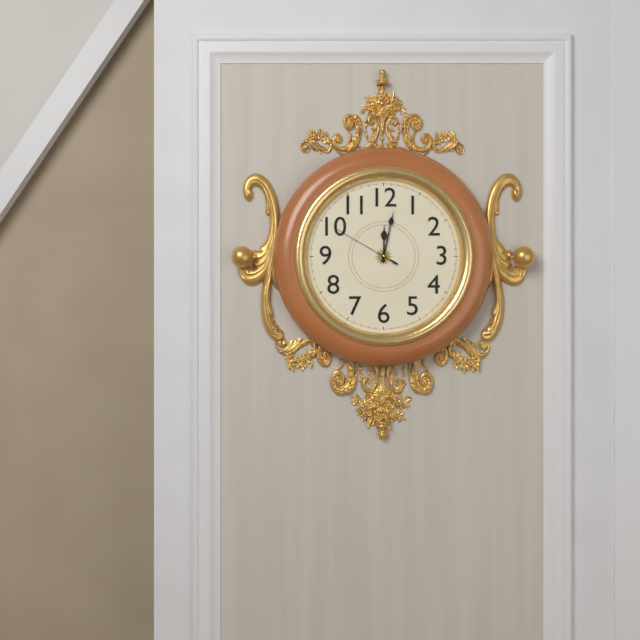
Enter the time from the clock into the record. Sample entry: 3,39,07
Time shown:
12,02,50
